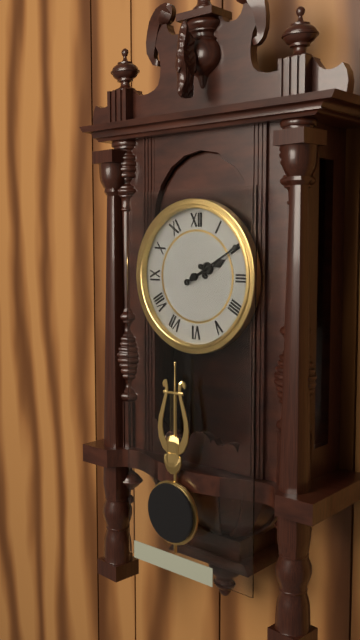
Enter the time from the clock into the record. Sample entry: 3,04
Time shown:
2,10
